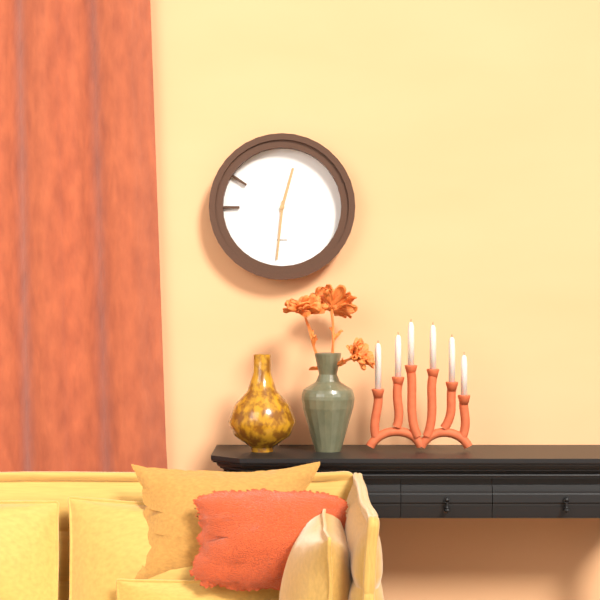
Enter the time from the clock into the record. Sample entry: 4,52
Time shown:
12,31
